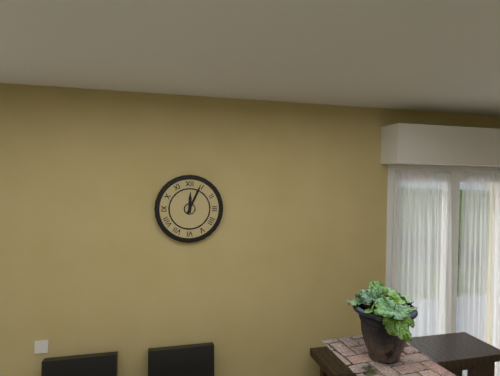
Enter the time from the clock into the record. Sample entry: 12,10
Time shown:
12,04
